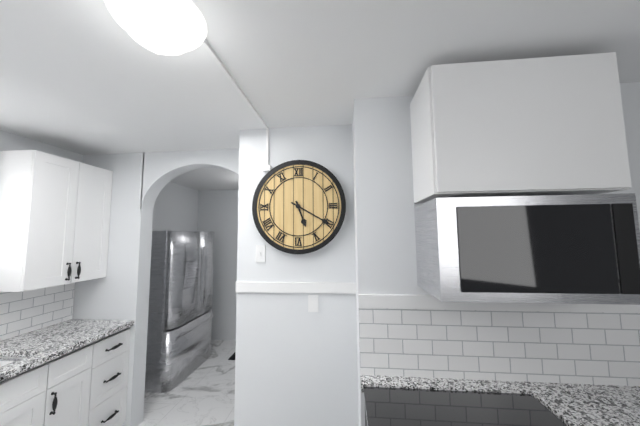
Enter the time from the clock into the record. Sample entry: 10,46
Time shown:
5,20
